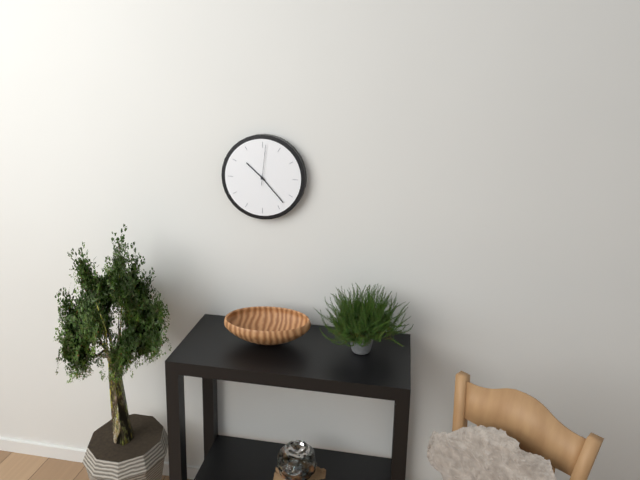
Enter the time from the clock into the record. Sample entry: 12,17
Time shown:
10,23
